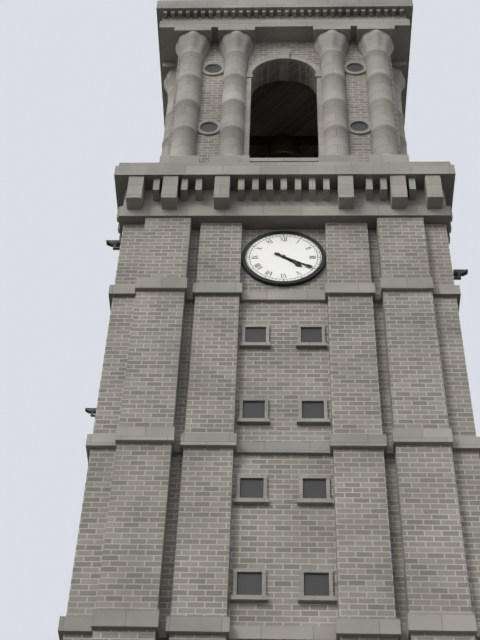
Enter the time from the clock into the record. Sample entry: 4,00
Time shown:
4,20
